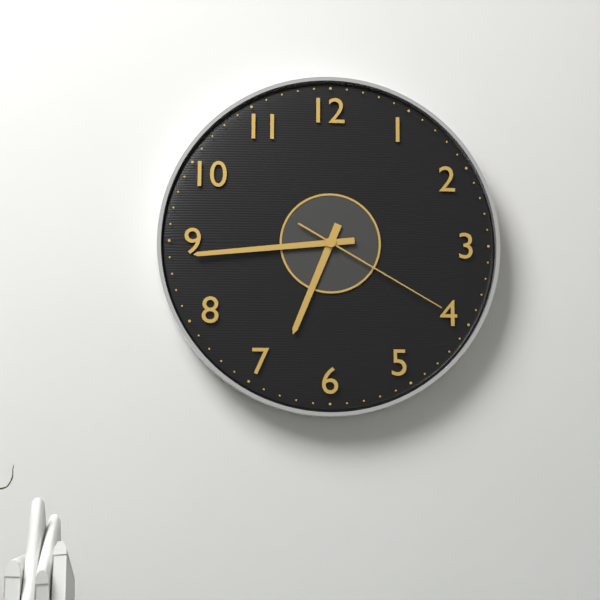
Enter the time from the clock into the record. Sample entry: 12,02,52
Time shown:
6,44,20
